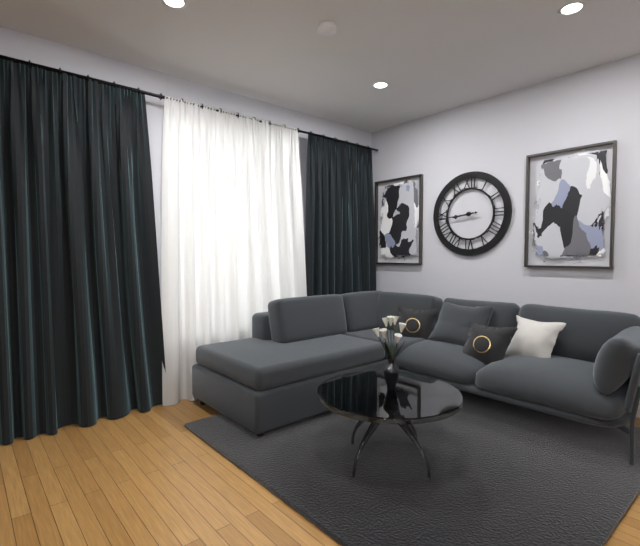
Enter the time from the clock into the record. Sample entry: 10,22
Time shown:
8,44
